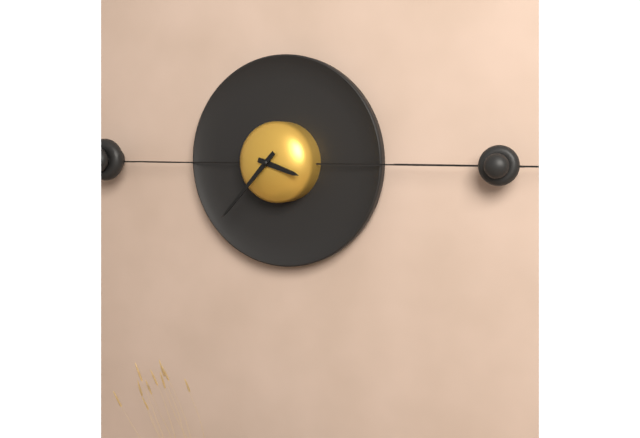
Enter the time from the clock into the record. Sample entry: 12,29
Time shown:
3,37
